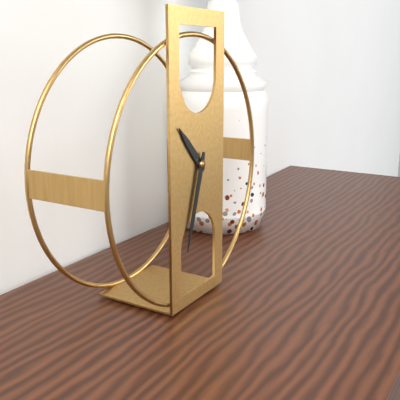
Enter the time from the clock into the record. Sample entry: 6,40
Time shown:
10,33
